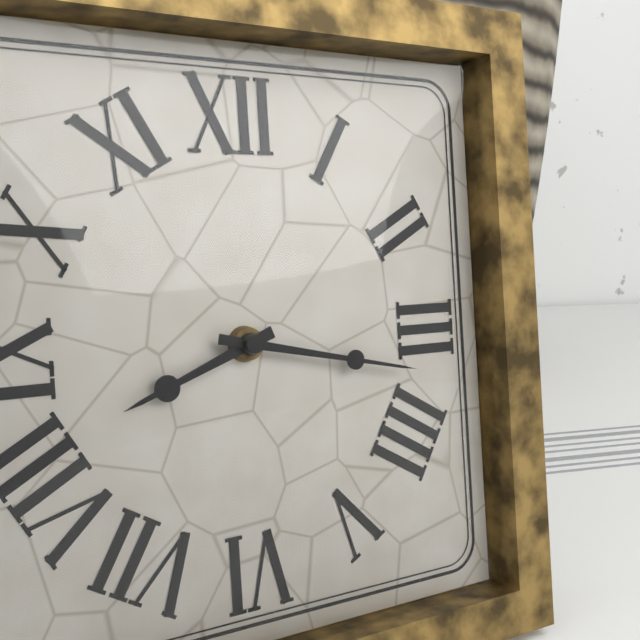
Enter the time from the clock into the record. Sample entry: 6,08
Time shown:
8,17
